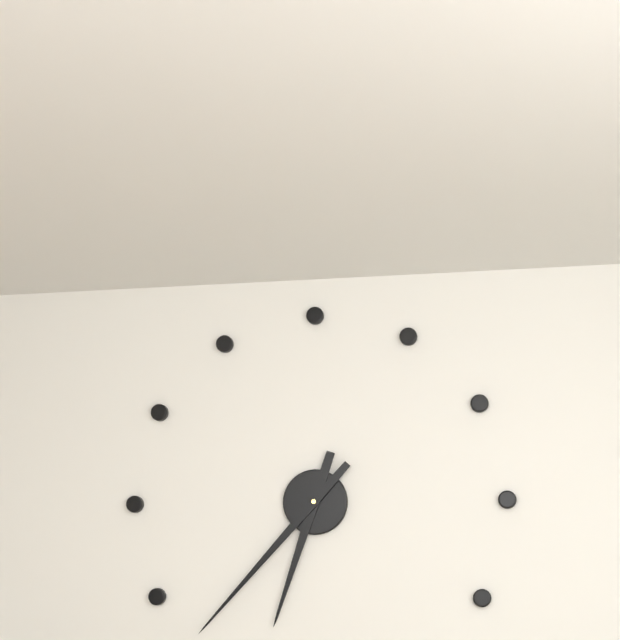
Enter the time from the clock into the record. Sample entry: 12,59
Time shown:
6,37
